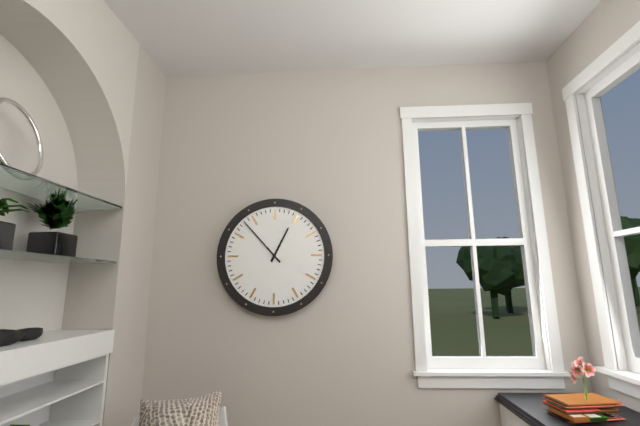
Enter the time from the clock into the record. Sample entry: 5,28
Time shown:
12,53
